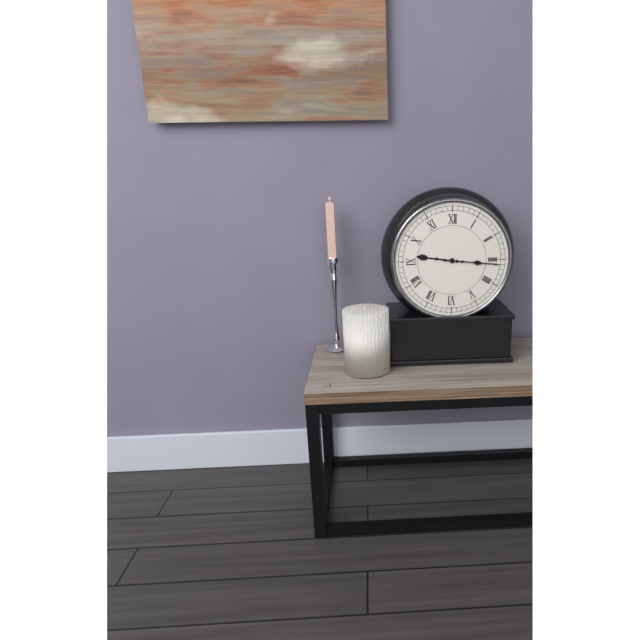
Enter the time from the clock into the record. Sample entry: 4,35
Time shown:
9,16
